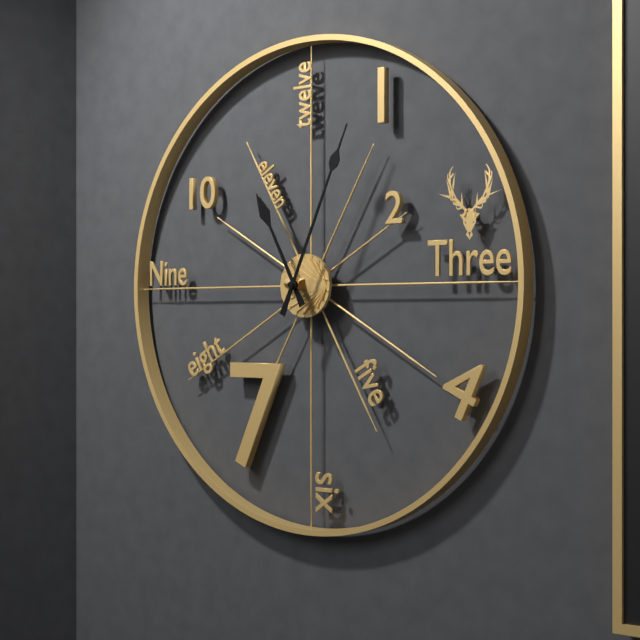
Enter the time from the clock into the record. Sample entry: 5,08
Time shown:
11,04
